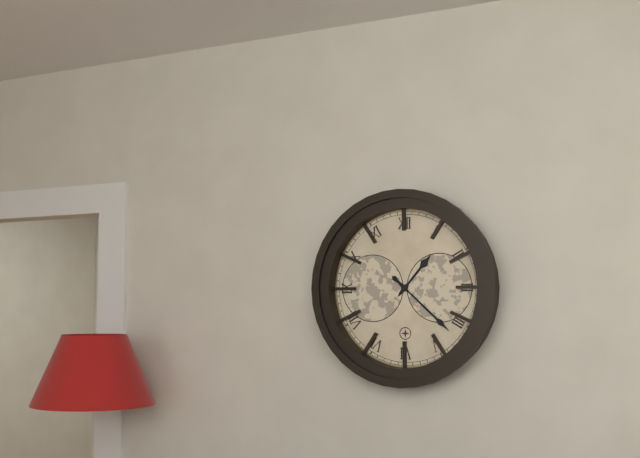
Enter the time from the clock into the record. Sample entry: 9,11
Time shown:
1,22
